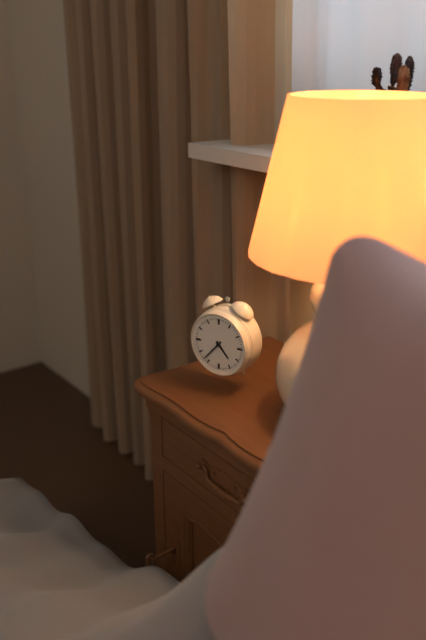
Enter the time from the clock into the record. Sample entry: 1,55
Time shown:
4,37
